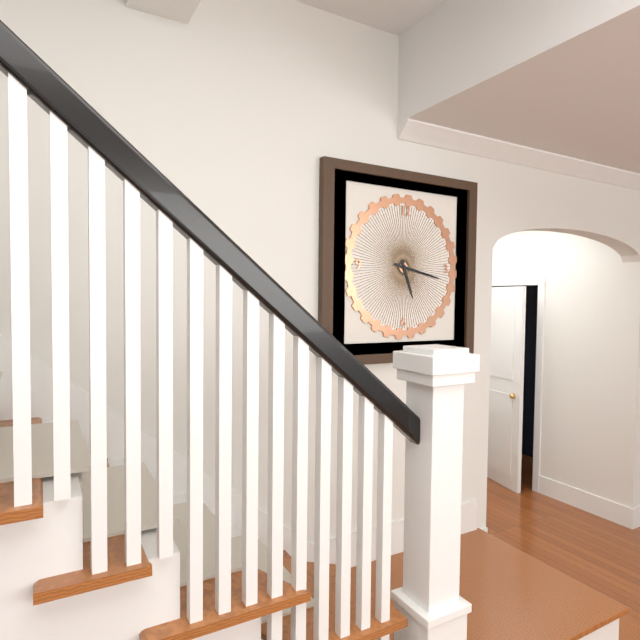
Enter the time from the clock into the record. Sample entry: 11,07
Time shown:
5,17
